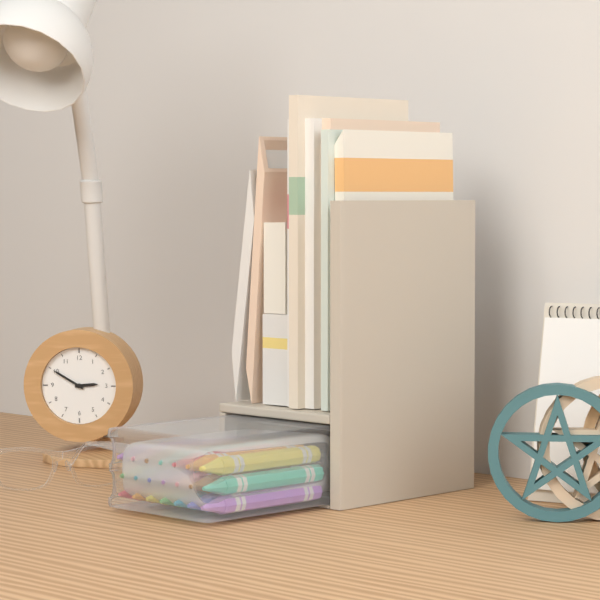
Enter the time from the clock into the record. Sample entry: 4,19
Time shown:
2,50
